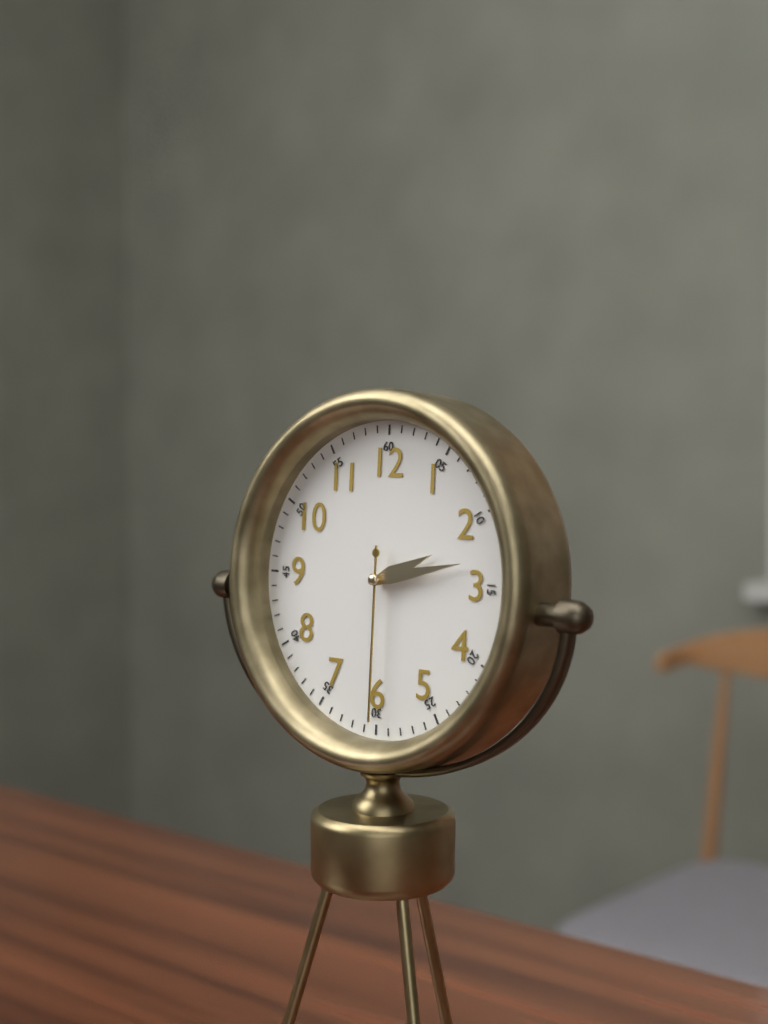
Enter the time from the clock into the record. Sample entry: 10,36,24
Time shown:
2,13,30
